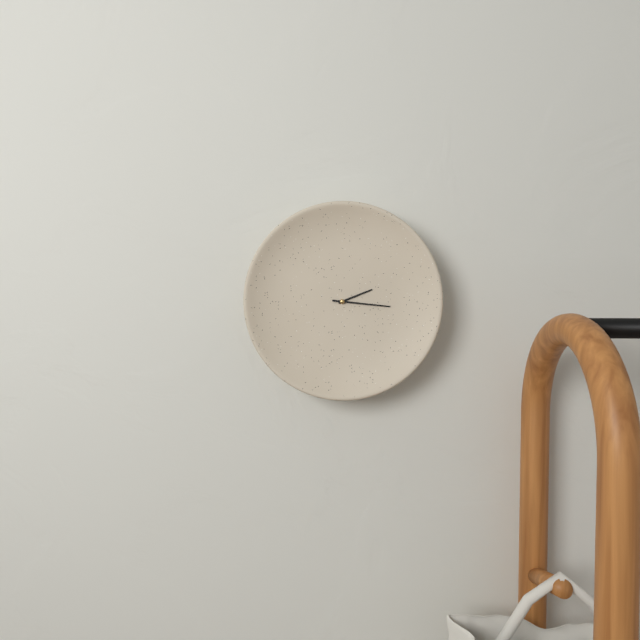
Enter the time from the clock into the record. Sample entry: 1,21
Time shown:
2,16
